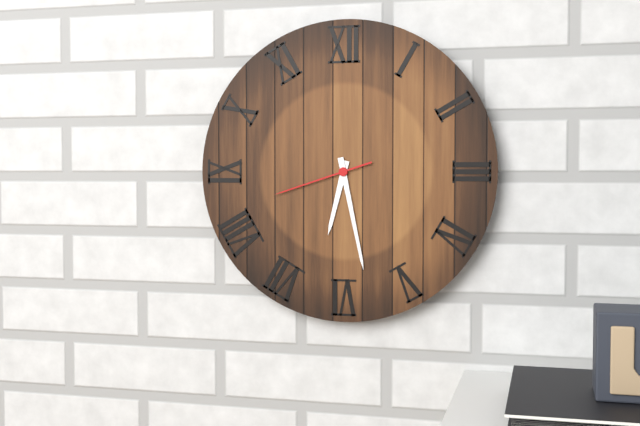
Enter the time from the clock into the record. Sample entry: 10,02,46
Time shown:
6,28,42
